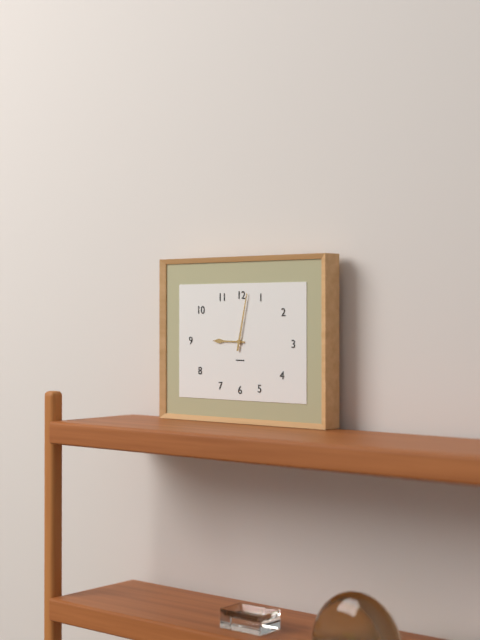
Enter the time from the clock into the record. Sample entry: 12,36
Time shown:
9,02
